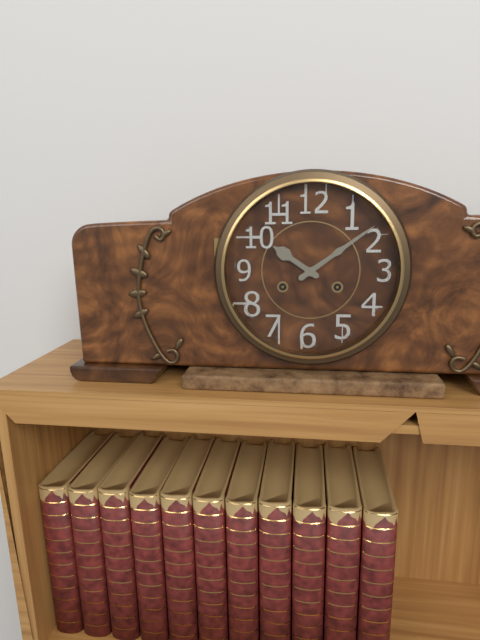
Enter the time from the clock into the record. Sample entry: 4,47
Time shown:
10,09
